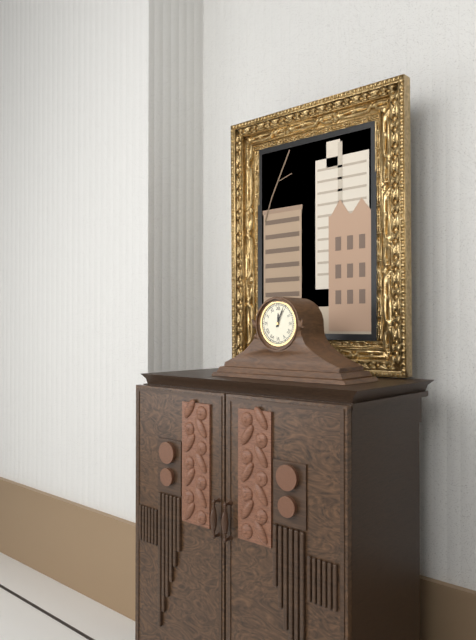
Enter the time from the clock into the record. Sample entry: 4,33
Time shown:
12,04
